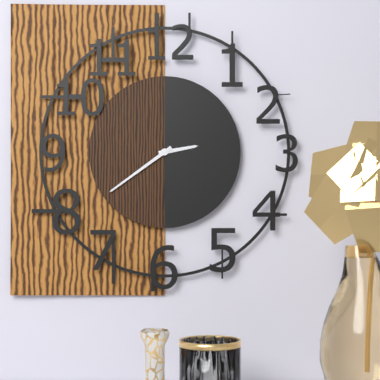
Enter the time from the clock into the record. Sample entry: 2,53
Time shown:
2,39
